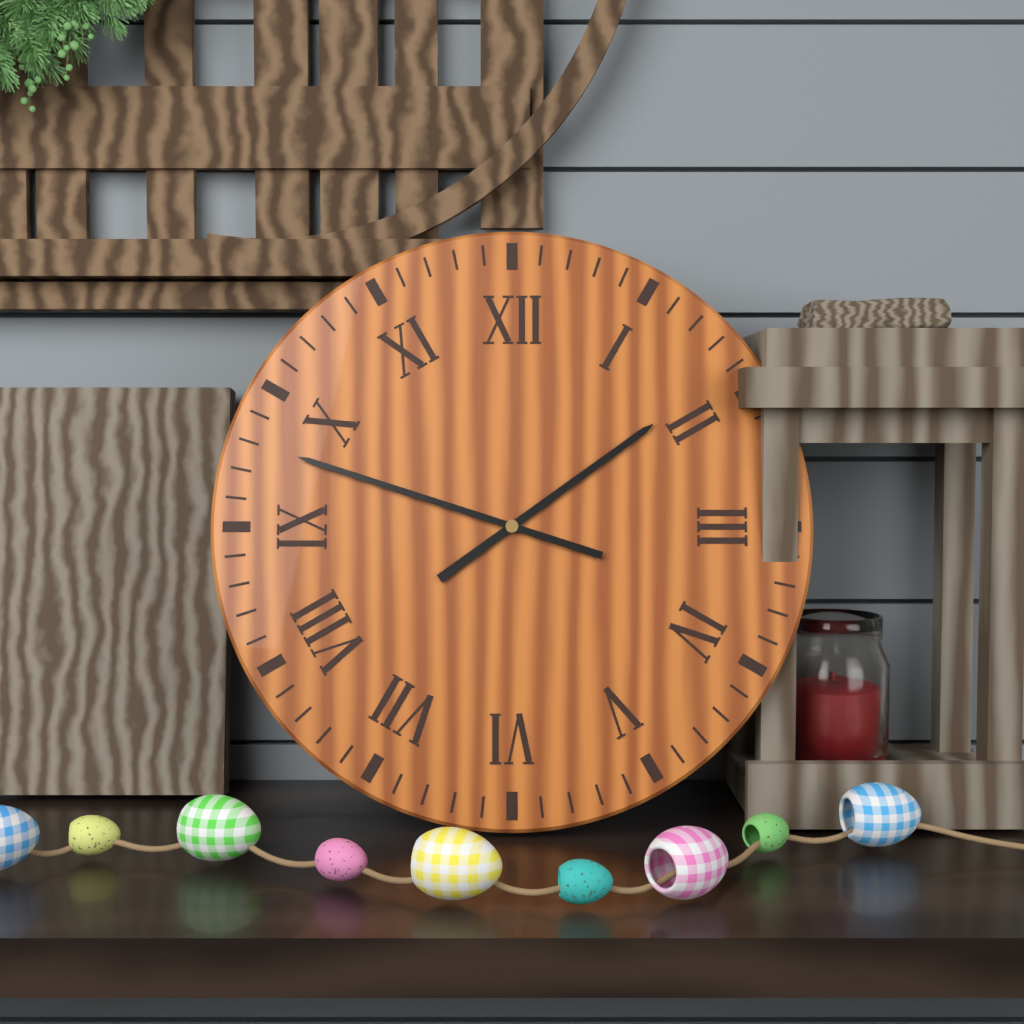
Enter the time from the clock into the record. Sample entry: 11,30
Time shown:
1,48
